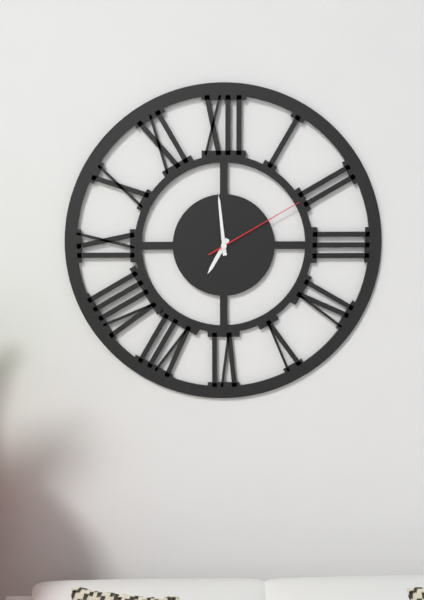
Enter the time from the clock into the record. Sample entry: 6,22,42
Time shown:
6,59,10
